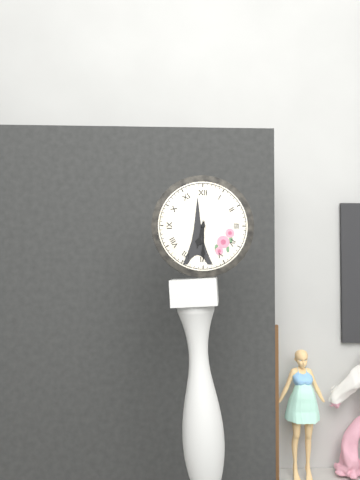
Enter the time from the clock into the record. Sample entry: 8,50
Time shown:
6,30
